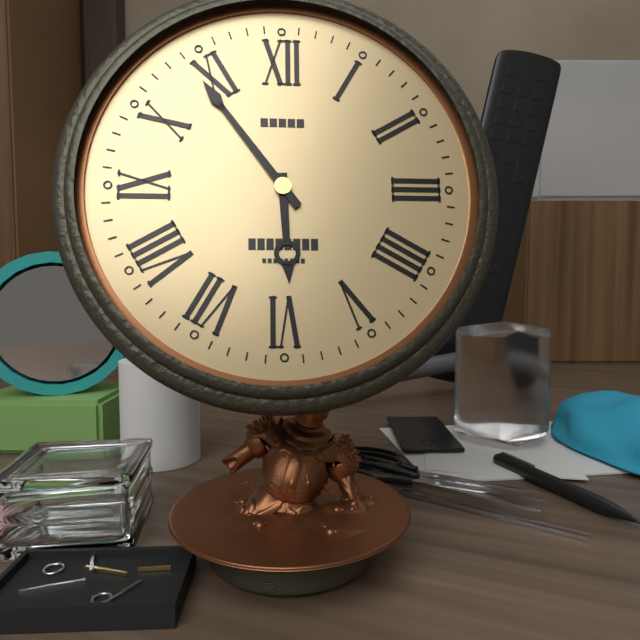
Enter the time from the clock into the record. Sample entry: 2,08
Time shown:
5,54
